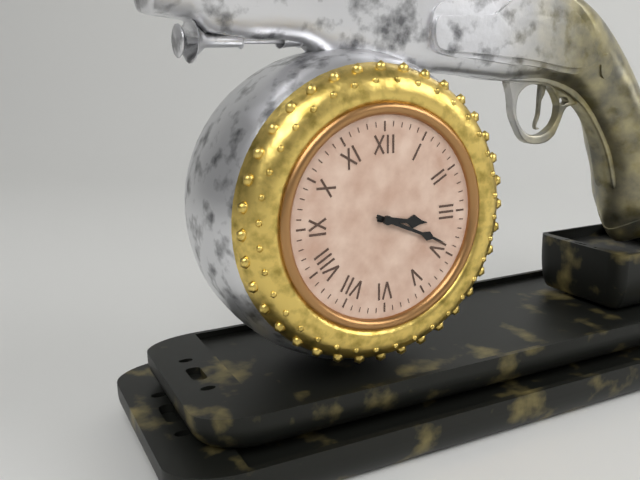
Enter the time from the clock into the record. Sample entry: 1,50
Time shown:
3,19
